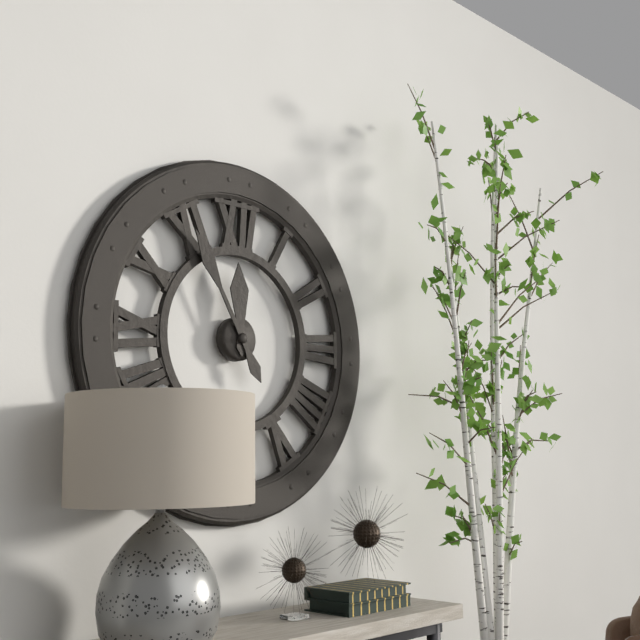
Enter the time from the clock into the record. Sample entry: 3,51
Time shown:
11,55
